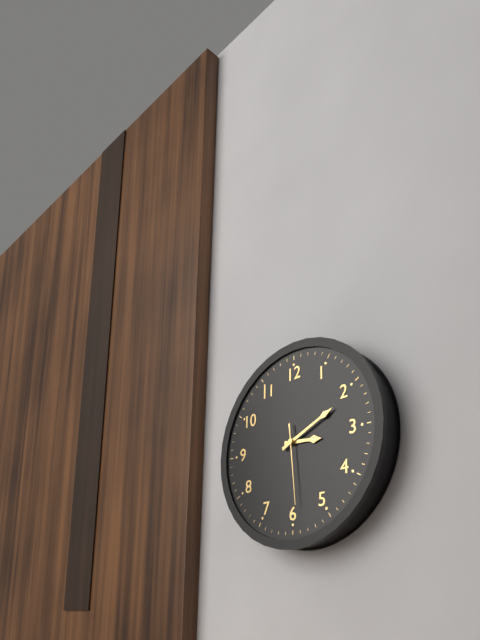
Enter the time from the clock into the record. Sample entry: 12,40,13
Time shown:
3,11,29
